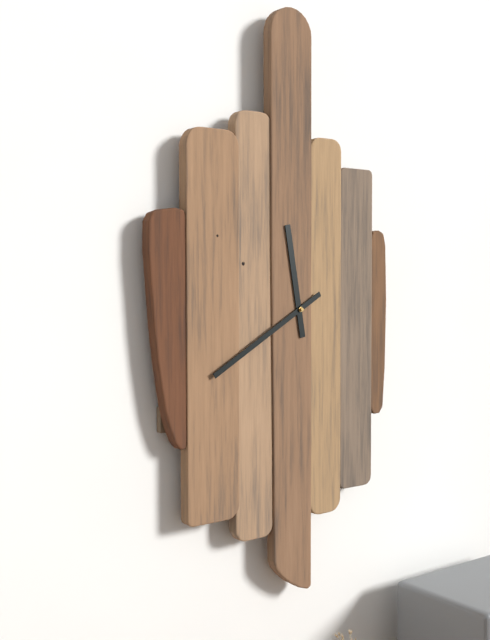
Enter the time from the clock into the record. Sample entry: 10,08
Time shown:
11,40
